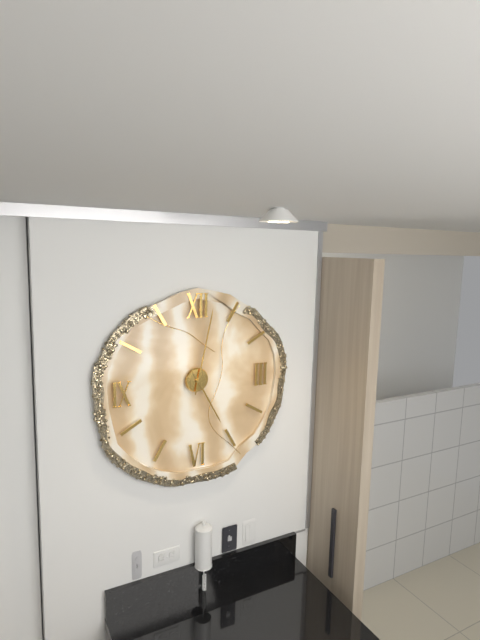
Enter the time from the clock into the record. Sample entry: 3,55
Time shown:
5,02
